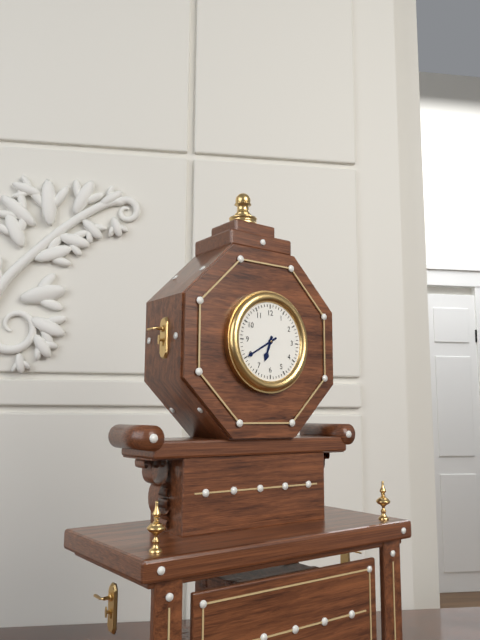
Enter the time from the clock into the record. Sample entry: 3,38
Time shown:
6,40
